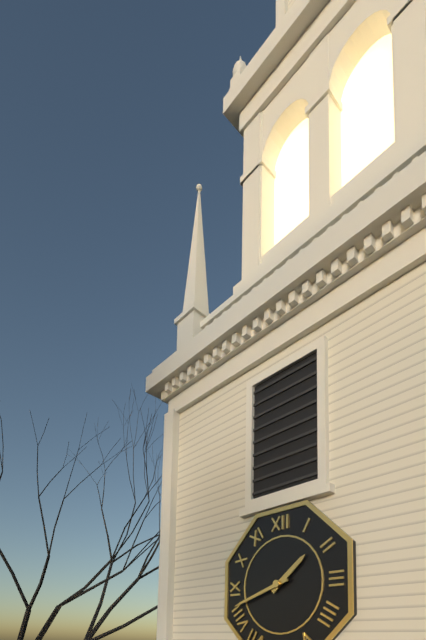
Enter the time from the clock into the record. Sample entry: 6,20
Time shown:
1,42
